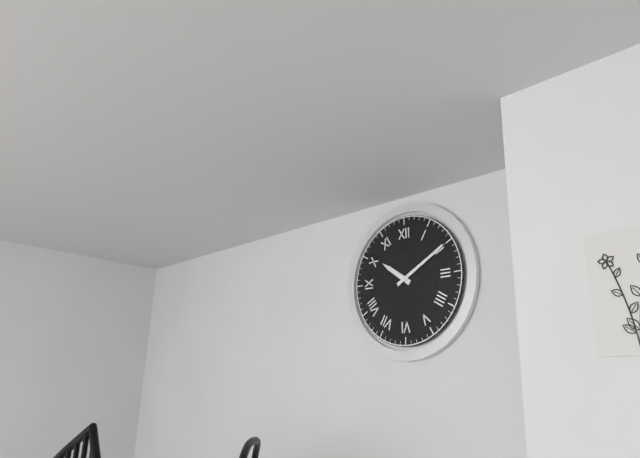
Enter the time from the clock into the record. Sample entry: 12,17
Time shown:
10,10
